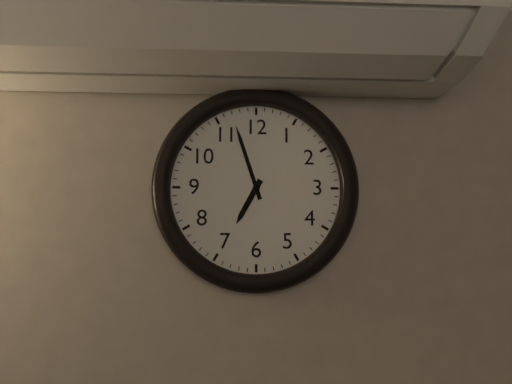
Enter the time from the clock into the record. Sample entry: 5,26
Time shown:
6,57
